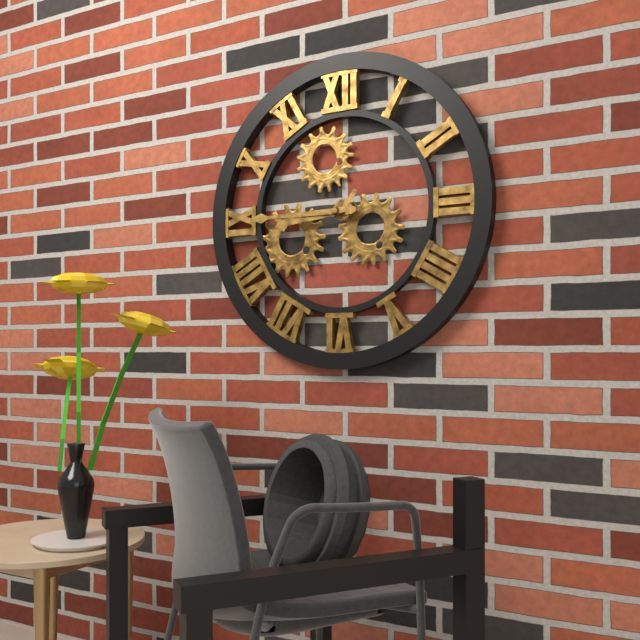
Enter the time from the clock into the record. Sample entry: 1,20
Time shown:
8,45
